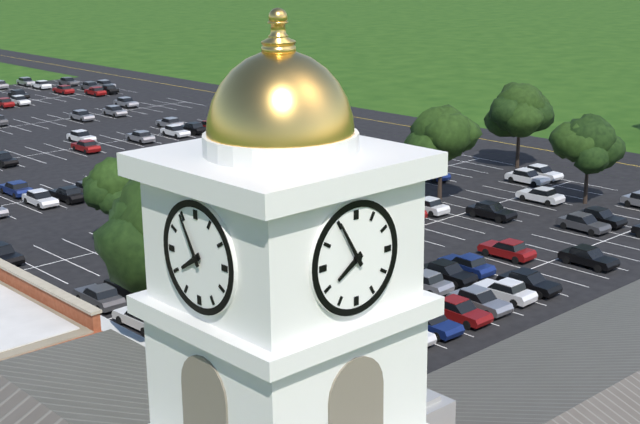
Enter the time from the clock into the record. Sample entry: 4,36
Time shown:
7,55
